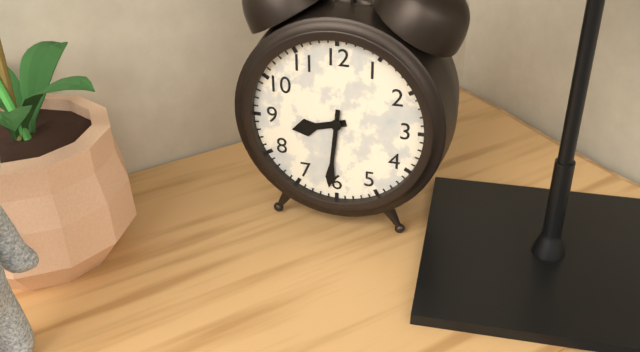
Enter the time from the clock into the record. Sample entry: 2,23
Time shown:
8,31
